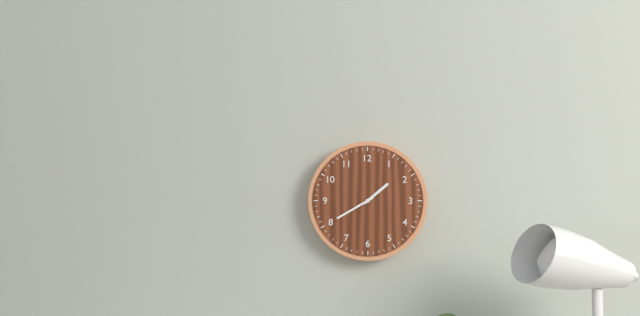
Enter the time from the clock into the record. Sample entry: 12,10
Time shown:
1,40
